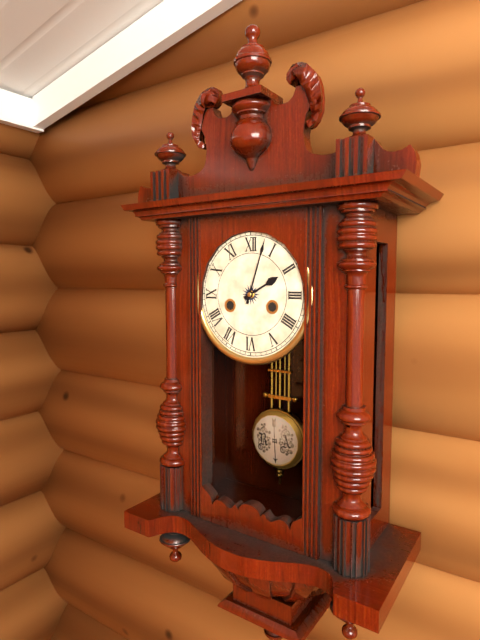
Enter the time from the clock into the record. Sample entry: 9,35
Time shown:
2,03
